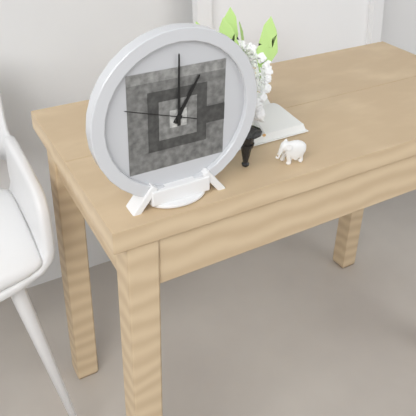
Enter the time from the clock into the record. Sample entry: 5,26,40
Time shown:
1,00,48
